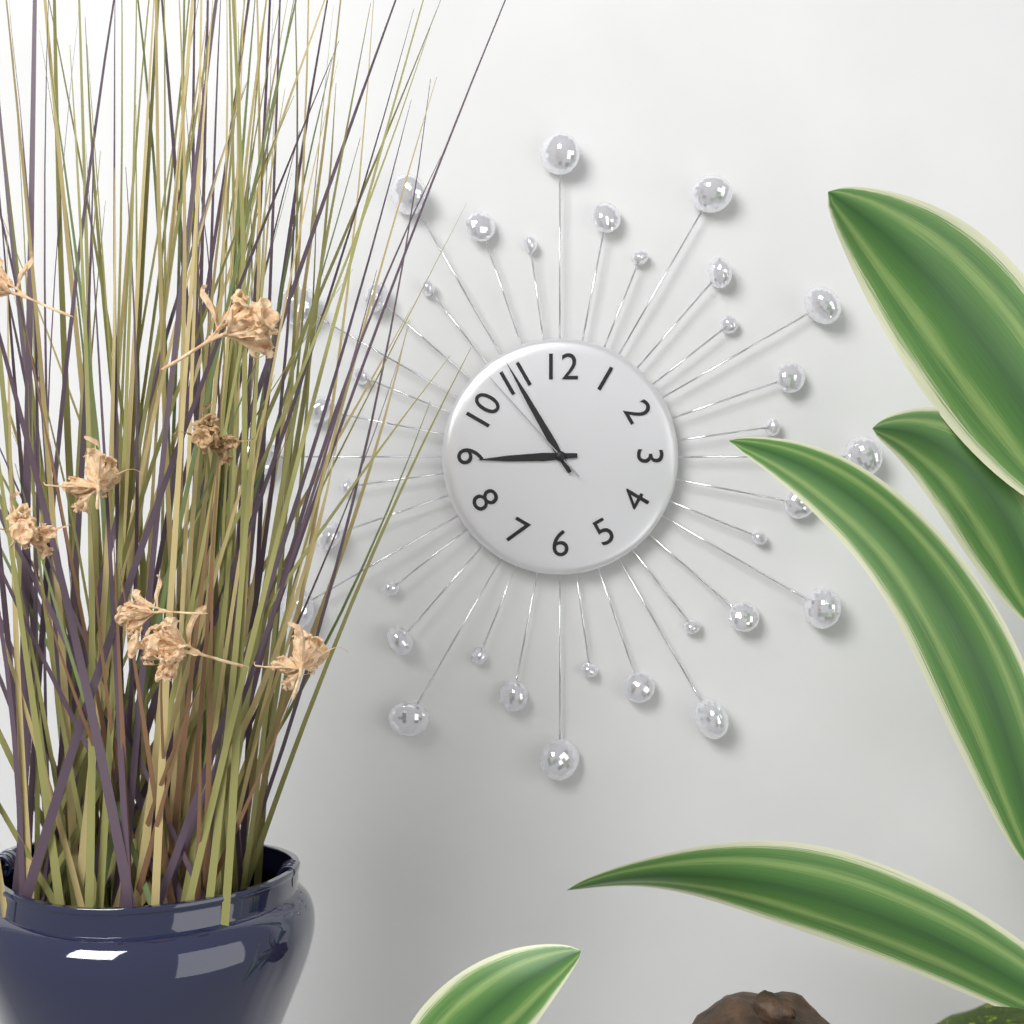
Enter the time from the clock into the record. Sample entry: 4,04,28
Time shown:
8,55,53
